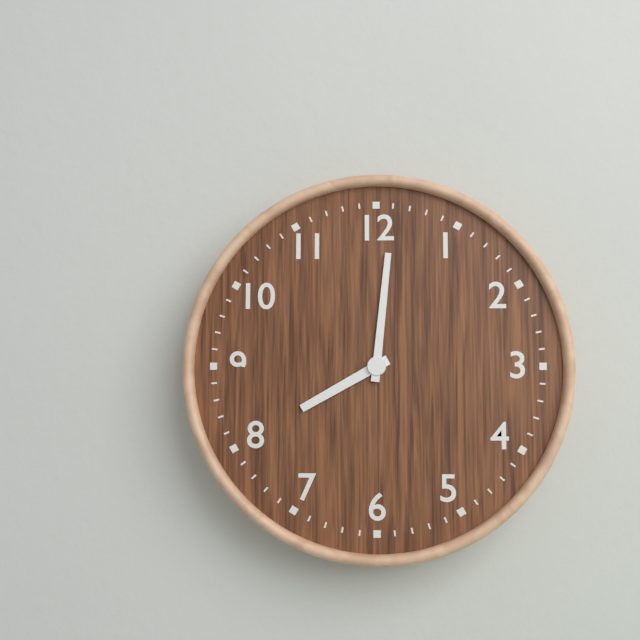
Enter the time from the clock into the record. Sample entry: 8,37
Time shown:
8,01
